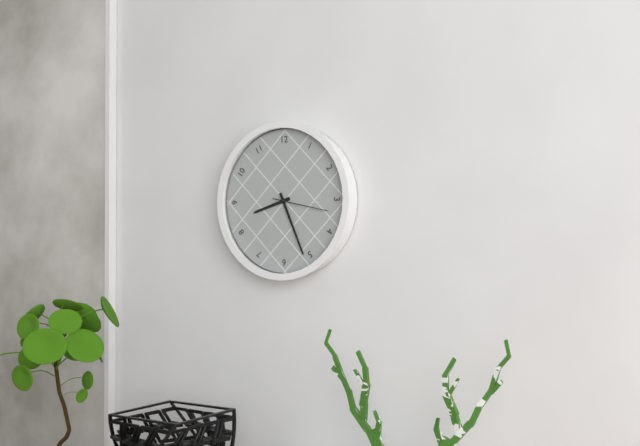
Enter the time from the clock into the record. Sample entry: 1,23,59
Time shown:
8,26,17
